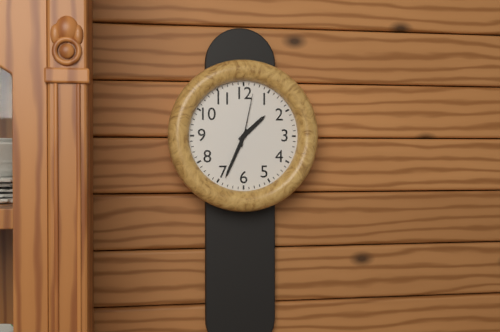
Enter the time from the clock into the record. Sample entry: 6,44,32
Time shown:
1,34,02
